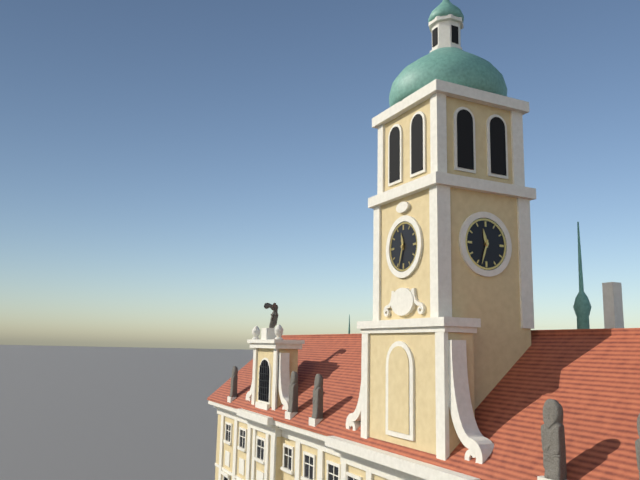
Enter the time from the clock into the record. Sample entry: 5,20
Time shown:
11,33
